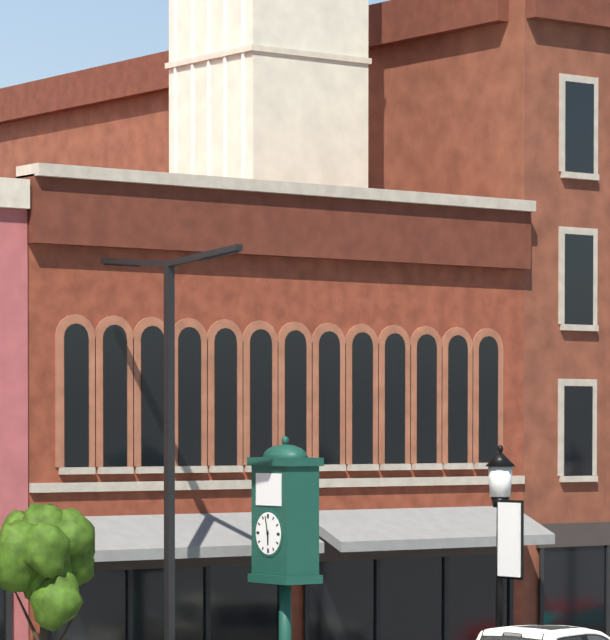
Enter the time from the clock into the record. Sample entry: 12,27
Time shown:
5,58
